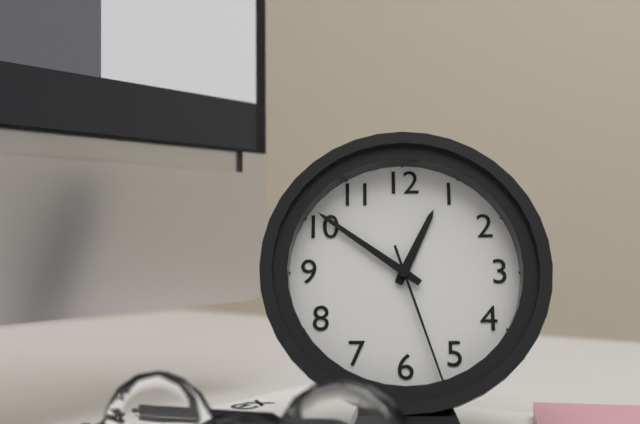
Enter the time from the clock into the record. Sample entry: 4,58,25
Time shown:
12,51,27
